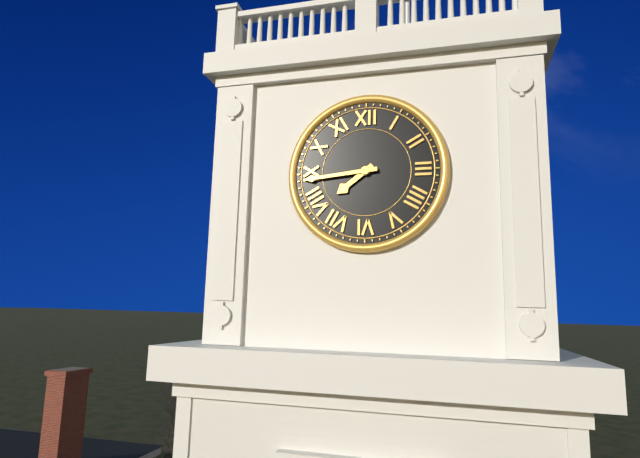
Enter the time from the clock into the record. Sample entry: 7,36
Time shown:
7,44
